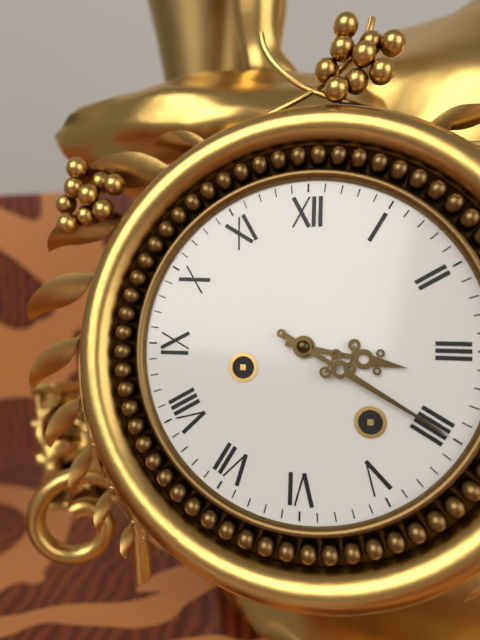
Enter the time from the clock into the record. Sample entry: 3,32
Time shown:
3,20
